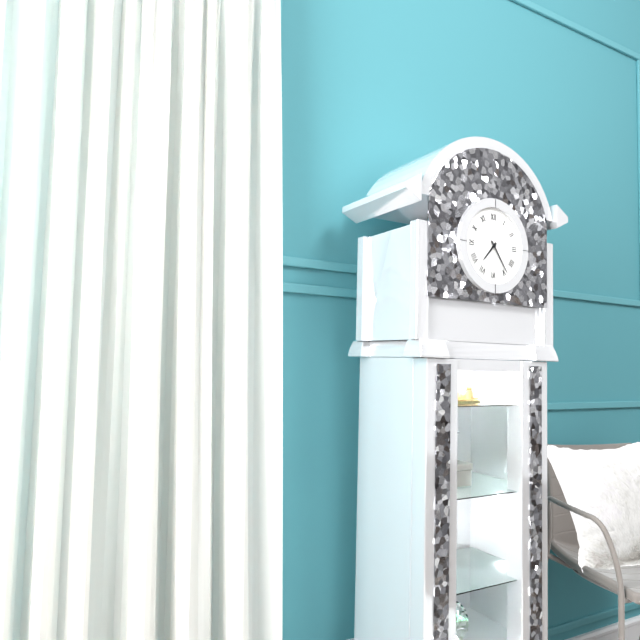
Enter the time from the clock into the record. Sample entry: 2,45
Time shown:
7,24
